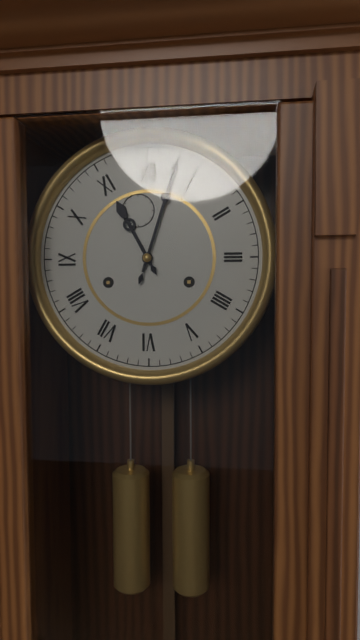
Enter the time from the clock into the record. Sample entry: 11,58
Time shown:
11,03
